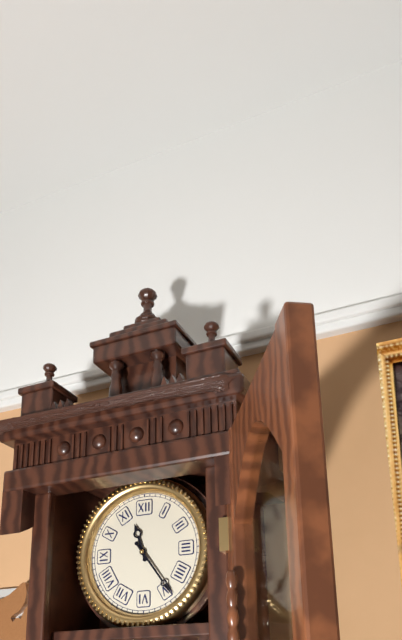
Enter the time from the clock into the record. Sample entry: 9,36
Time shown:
11,24
